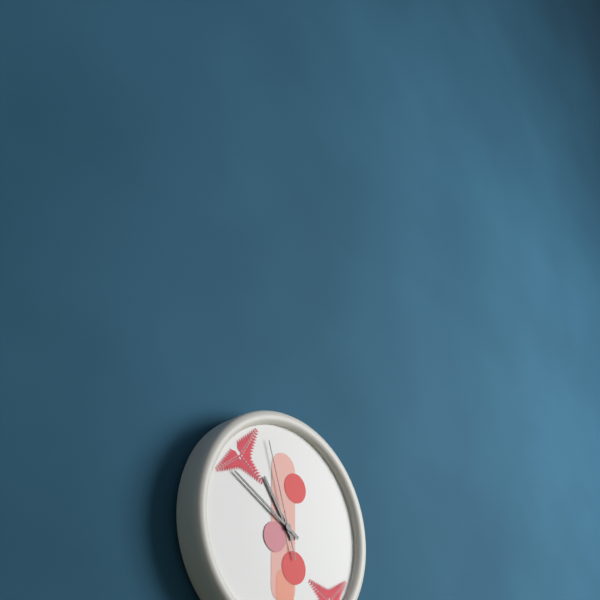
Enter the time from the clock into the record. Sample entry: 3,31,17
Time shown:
10,50,57
